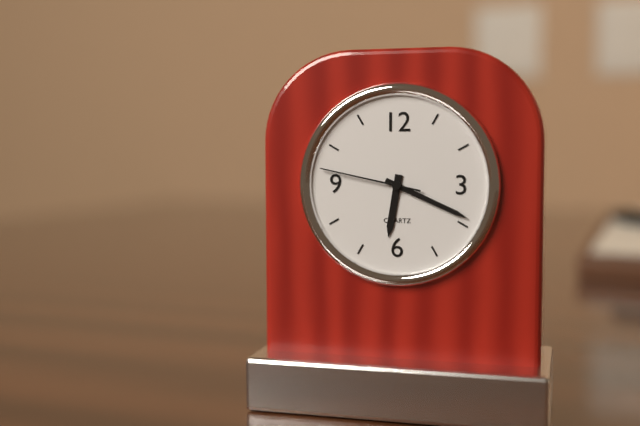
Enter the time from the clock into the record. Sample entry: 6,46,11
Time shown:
6,19,47
